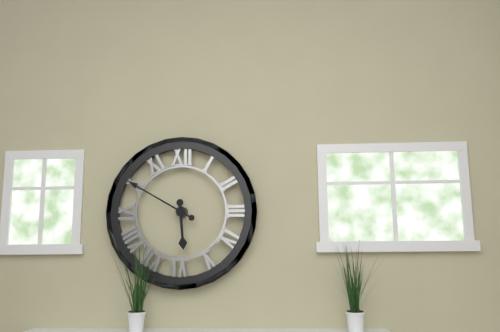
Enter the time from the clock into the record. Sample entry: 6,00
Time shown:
5,50
